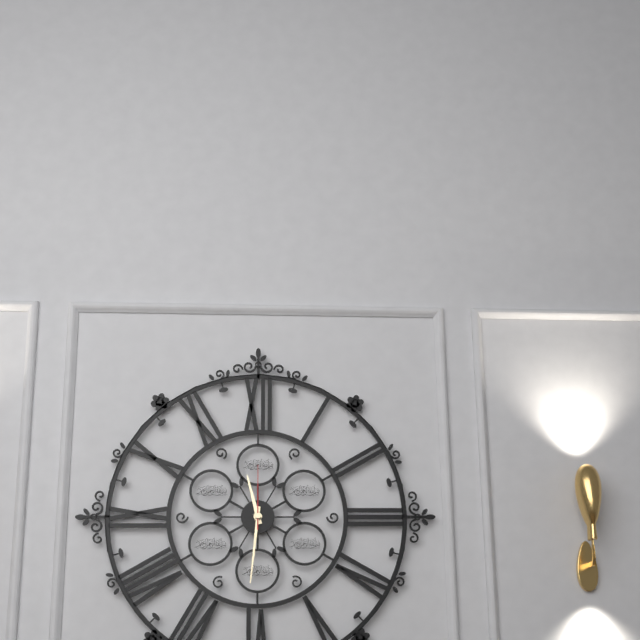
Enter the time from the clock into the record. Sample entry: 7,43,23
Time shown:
11,31,00
